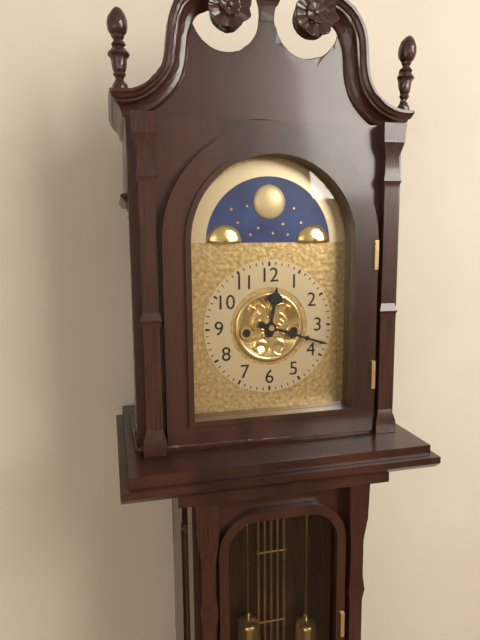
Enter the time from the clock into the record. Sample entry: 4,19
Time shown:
12,18
